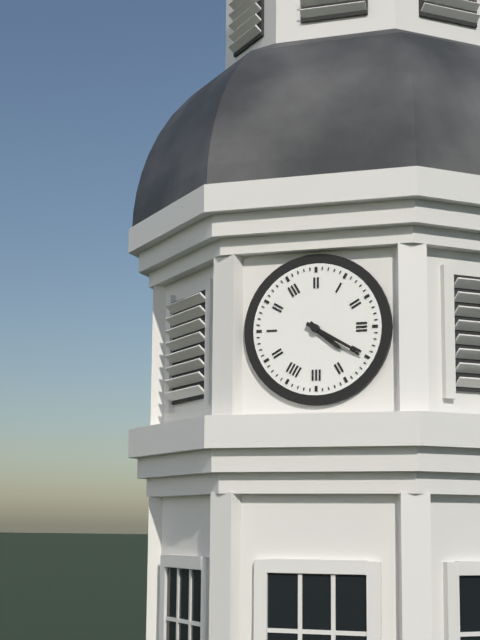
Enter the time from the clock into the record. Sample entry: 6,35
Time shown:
4,20
